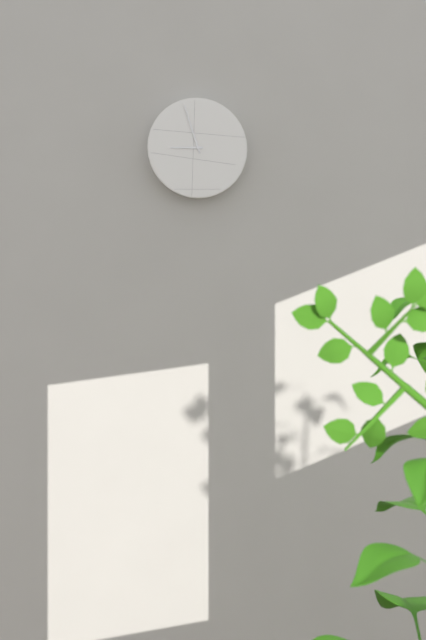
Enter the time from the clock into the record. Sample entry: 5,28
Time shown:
8,57
